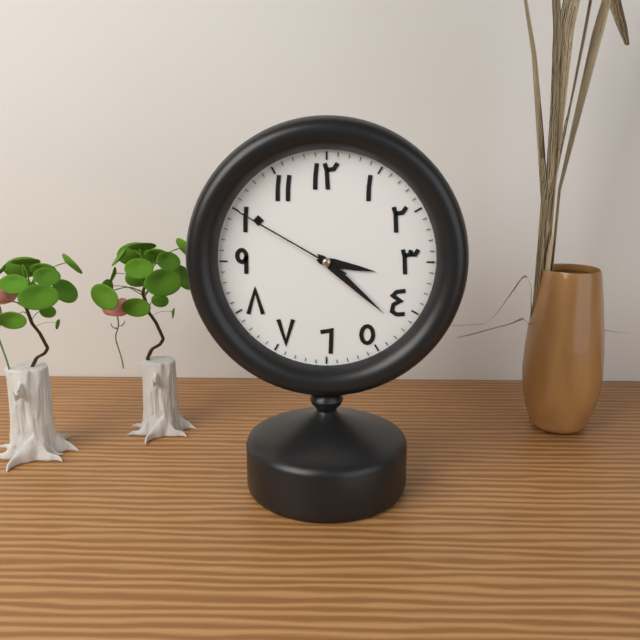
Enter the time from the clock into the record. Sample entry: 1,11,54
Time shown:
3,22,50
